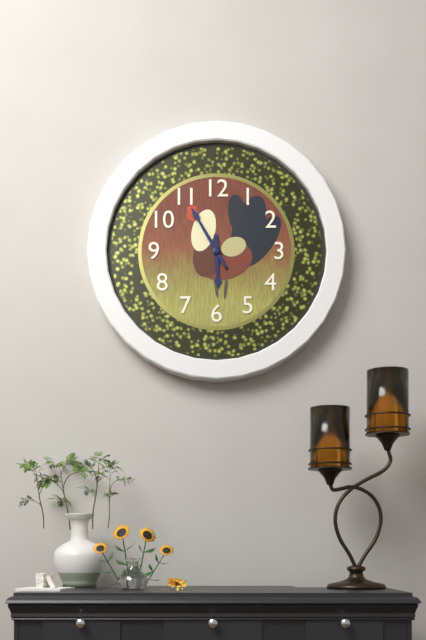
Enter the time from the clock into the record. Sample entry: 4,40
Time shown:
5,55
